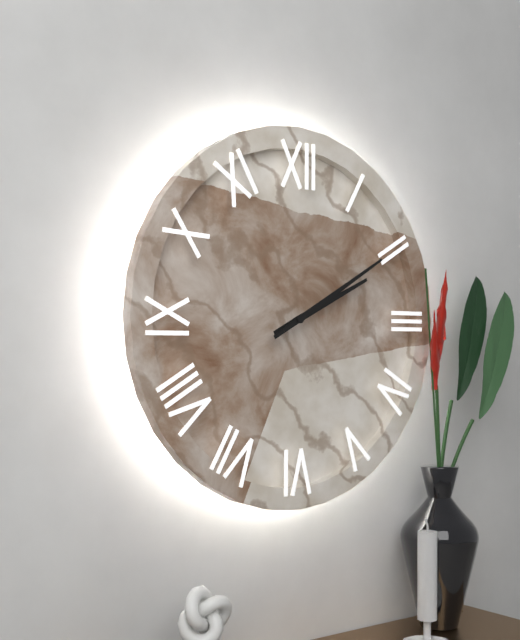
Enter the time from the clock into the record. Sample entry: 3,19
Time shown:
2,10
